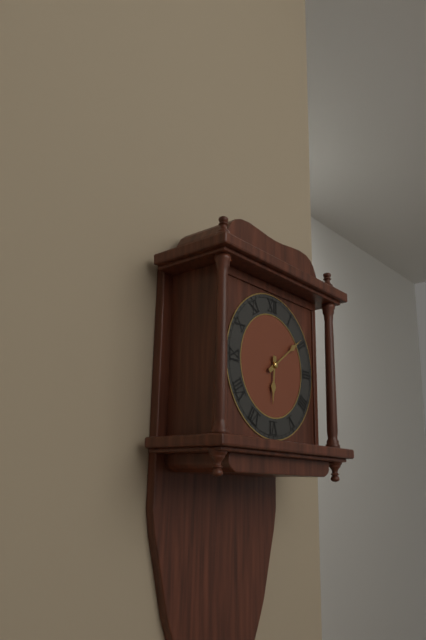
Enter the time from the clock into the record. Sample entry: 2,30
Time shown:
6,09
